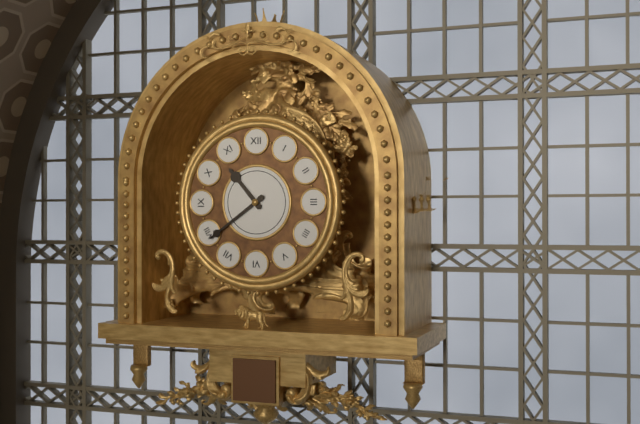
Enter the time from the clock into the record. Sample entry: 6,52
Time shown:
10,39
